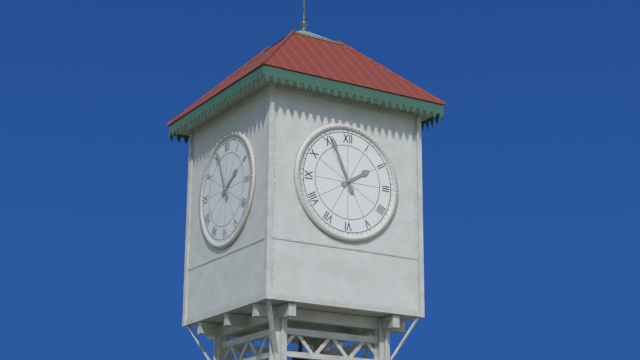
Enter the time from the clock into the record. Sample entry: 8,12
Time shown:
1,56
